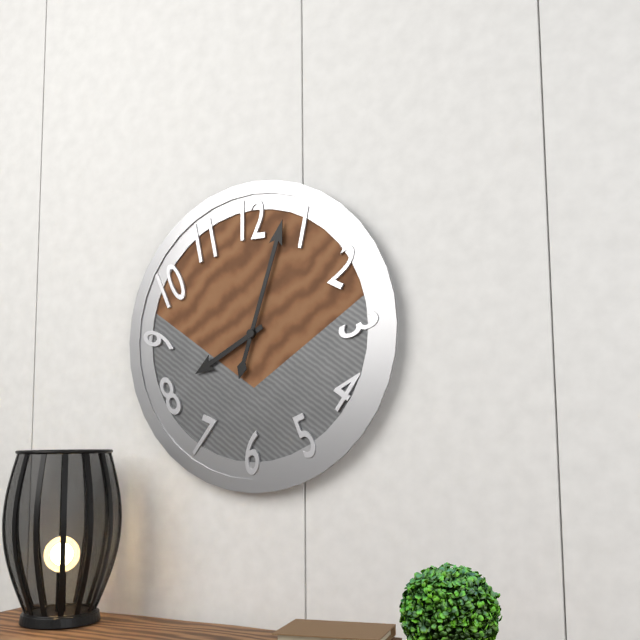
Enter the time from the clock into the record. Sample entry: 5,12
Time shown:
8,03
